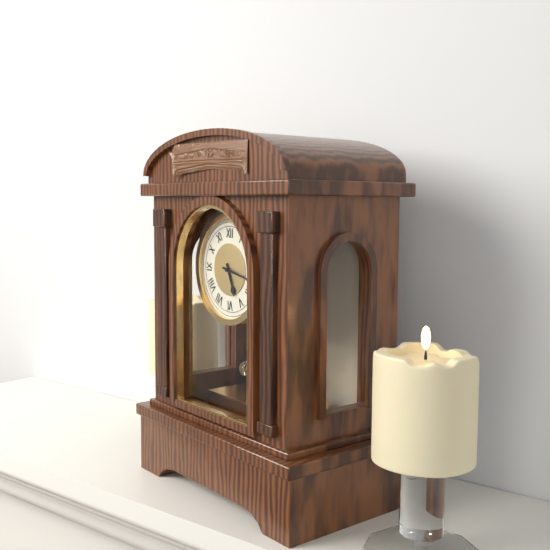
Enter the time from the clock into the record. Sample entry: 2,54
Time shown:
5,17
